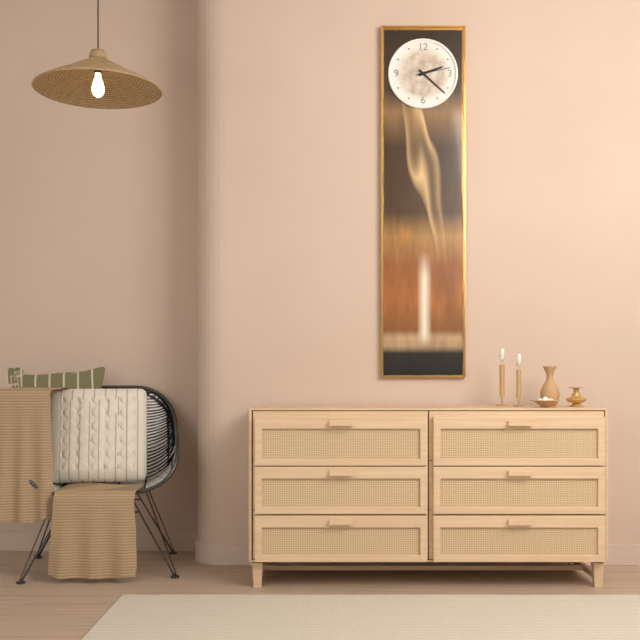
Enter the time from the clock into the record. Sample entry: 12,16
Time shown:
2,22
